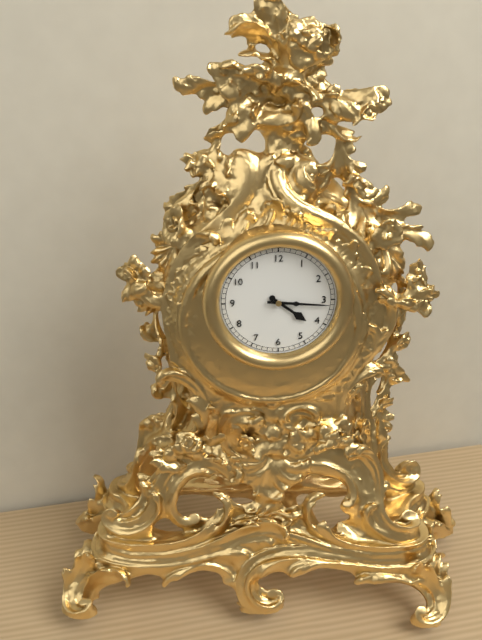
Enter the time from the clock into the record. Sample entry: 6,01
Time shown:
4,16
